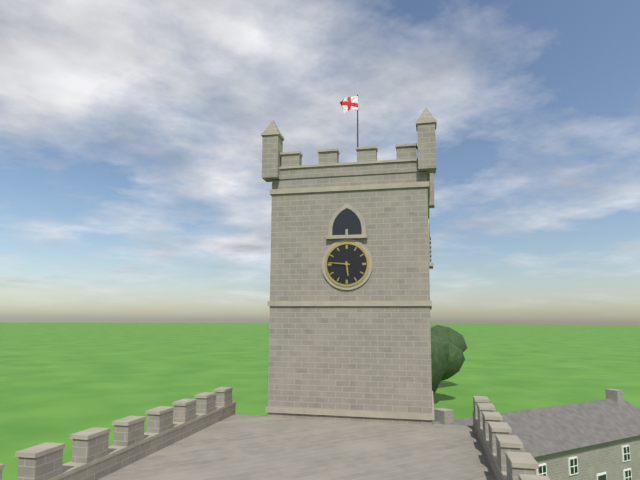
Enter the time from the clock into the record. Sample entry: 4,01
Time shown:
5,46
